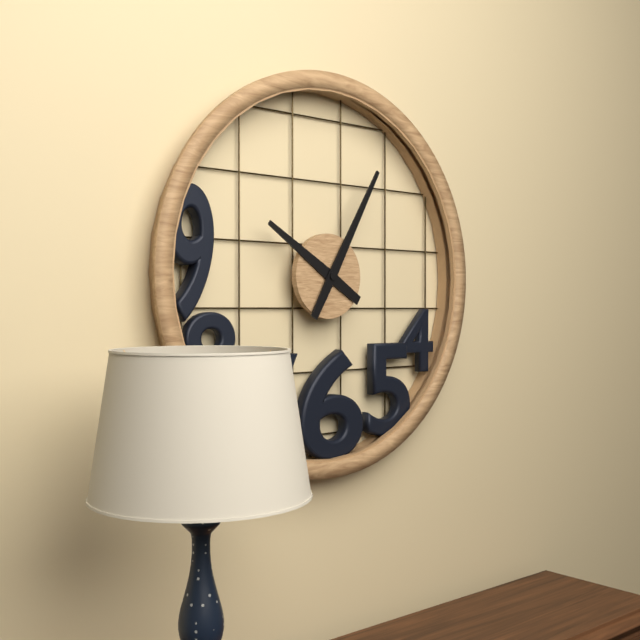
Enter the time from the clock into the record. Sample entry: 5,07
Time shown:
10,05
